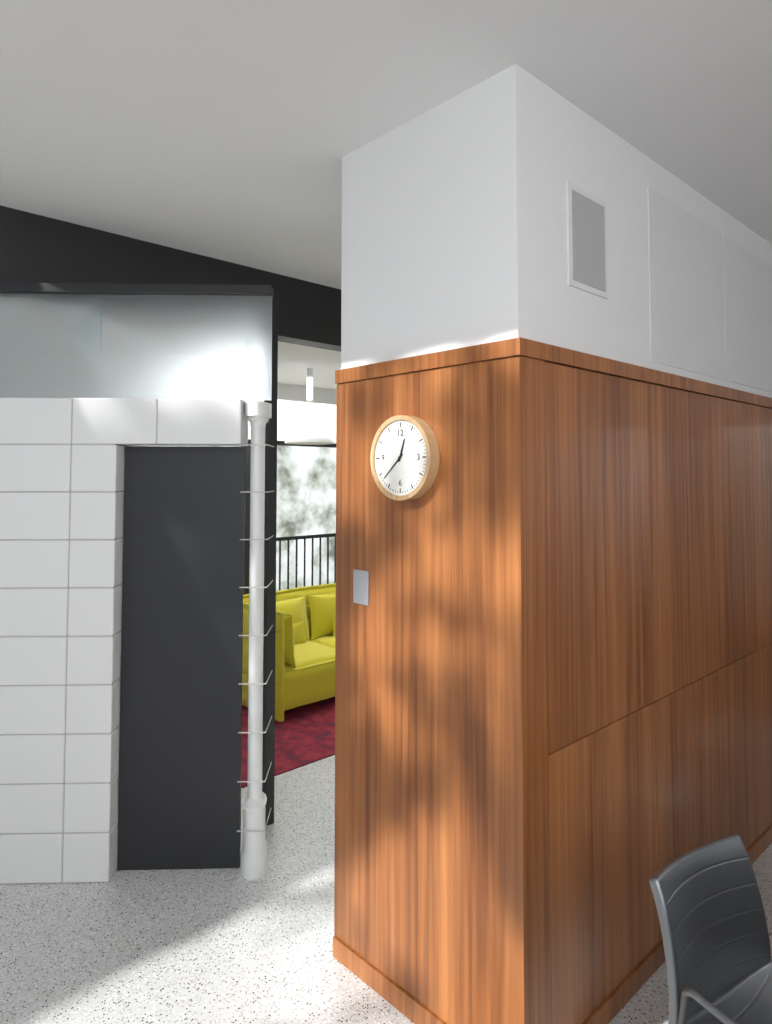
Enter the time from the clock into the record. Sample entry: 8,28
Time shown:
12,38
